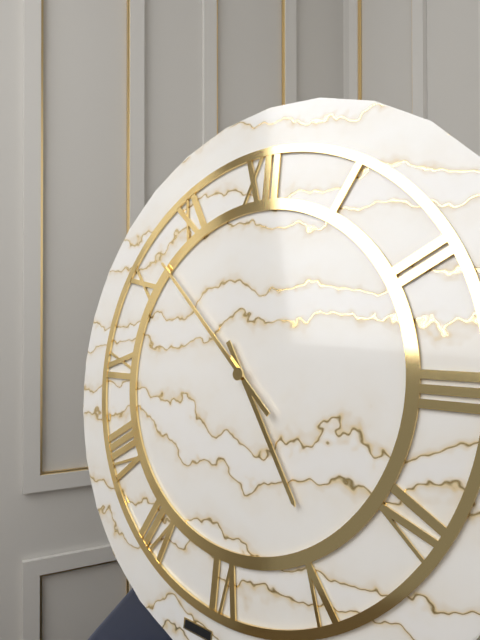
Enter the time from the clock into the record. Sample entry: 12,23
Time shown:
4,52
